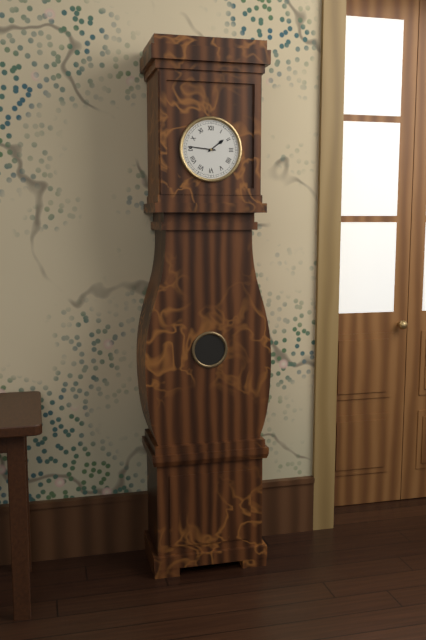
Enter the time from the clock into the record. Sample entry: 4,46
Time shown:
1,46
